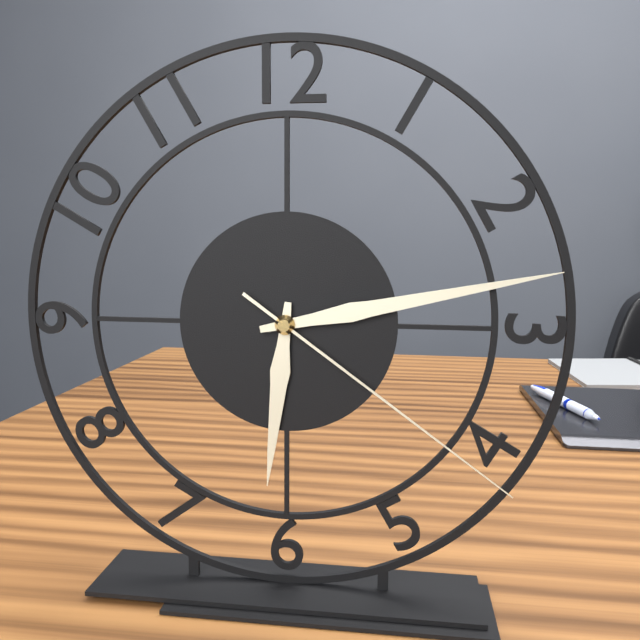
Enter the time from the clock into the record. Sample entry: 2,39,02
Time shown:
6,13,21
